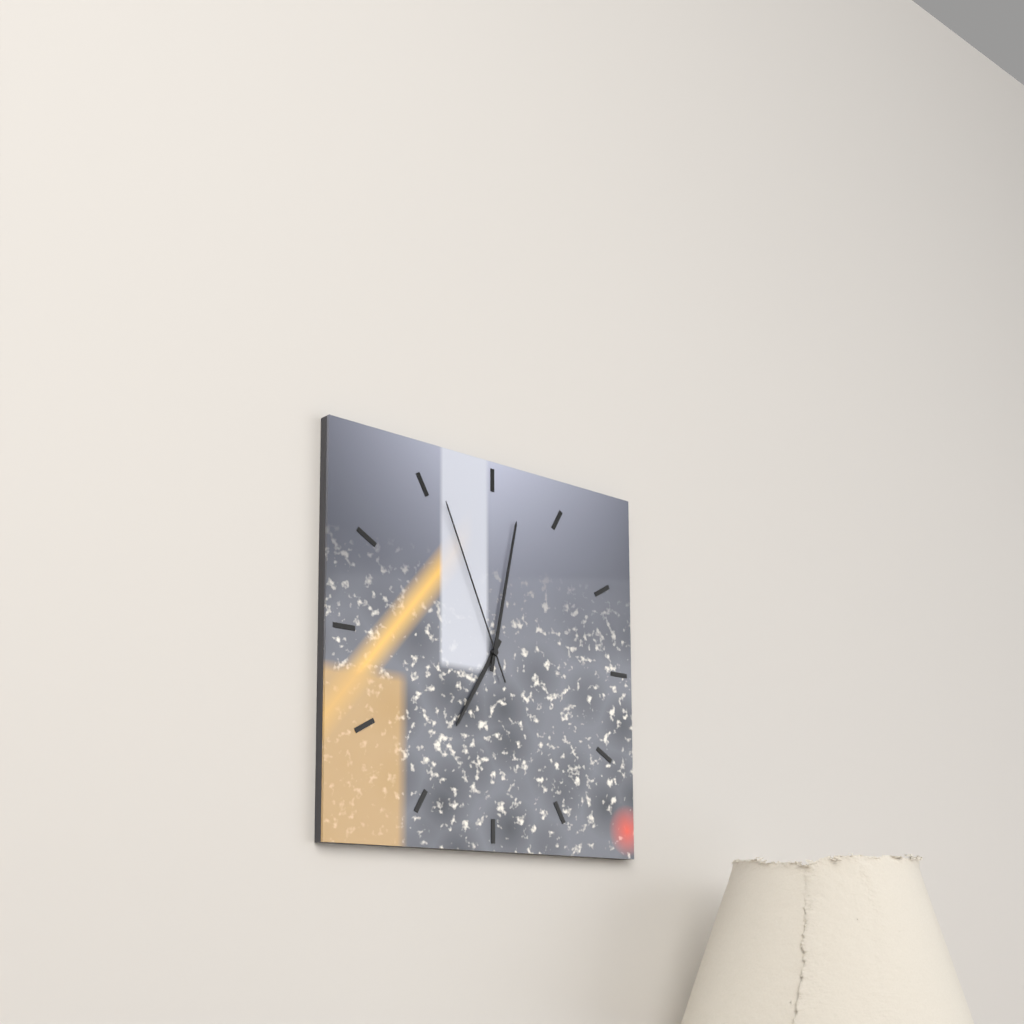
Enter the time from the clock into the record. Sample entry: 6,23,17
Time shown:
7,02,56
